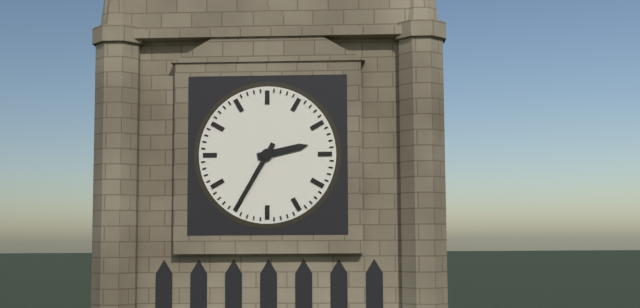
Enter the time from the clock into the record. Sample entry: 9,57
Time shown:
2,35
